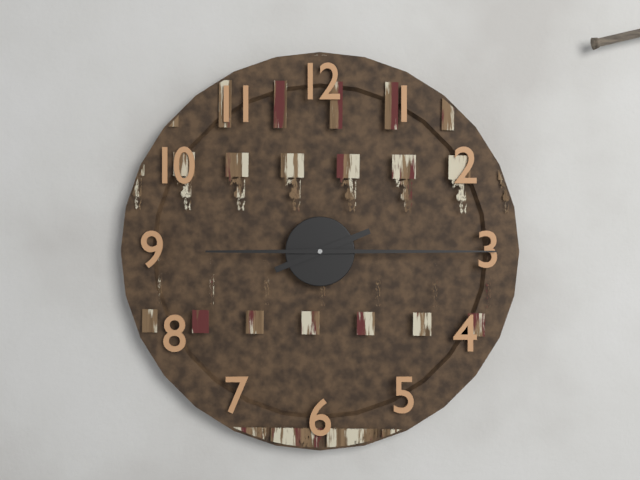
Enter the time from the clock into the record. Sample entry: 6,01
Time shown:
2,15
